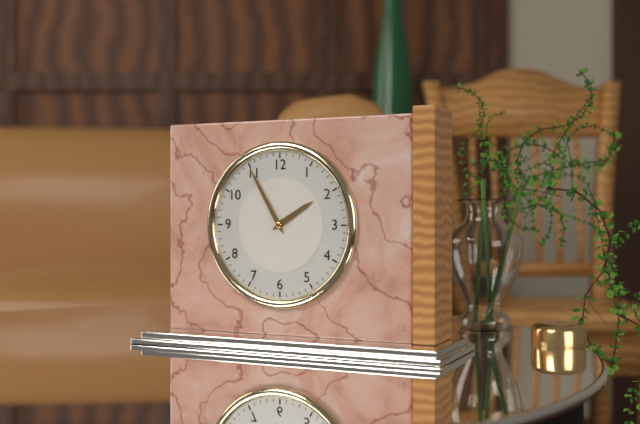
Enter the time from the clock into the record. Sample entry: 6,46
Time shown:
1,55
